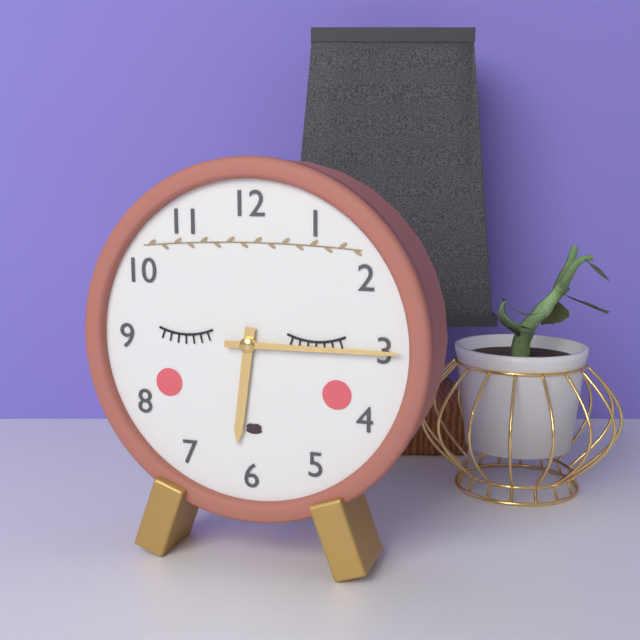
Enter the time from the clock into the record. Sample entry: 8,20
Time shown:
6,15
